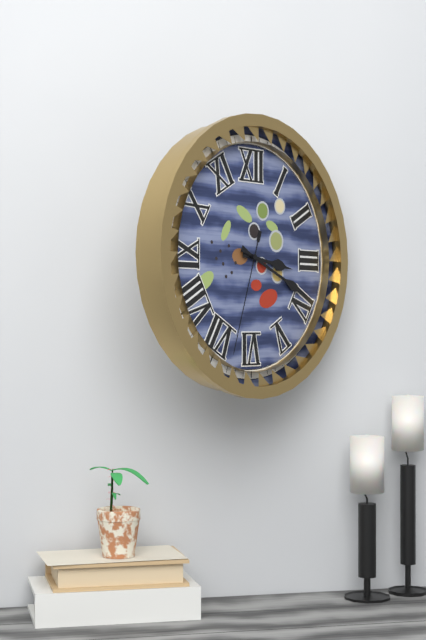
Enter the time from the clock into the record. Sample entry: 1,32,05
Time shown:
3,19,33
